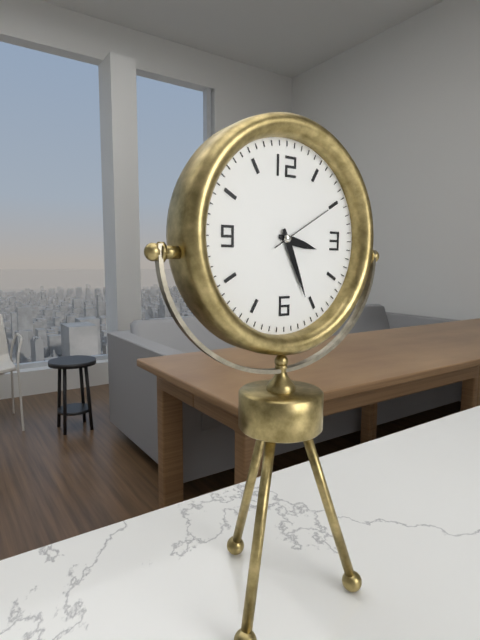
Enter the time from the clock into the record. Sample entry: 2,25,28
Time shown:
3,26,10
